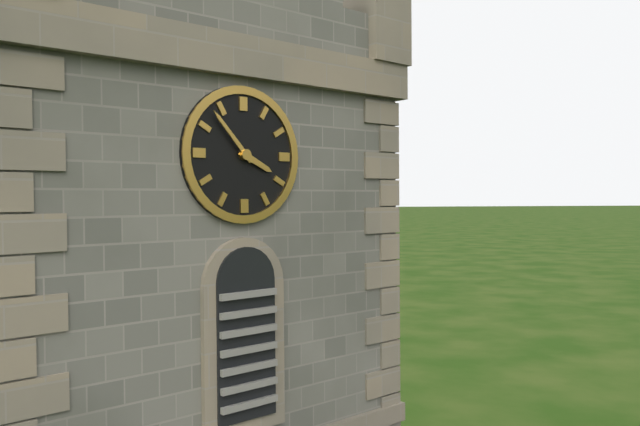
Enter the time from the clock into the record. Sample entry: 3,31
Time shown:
3,53
